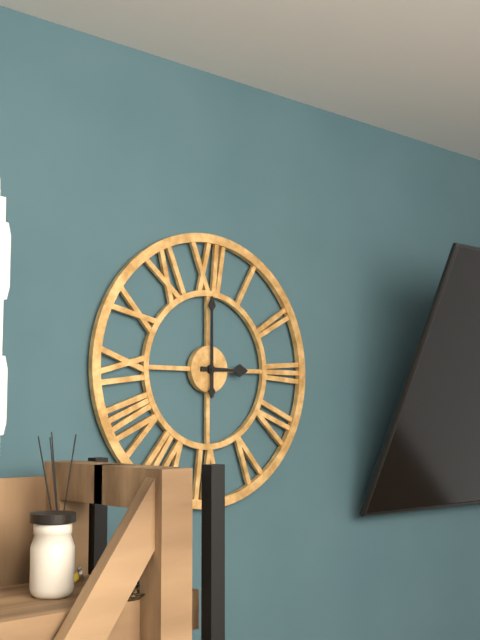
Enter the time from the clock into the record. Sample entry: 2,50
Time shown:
3,00
